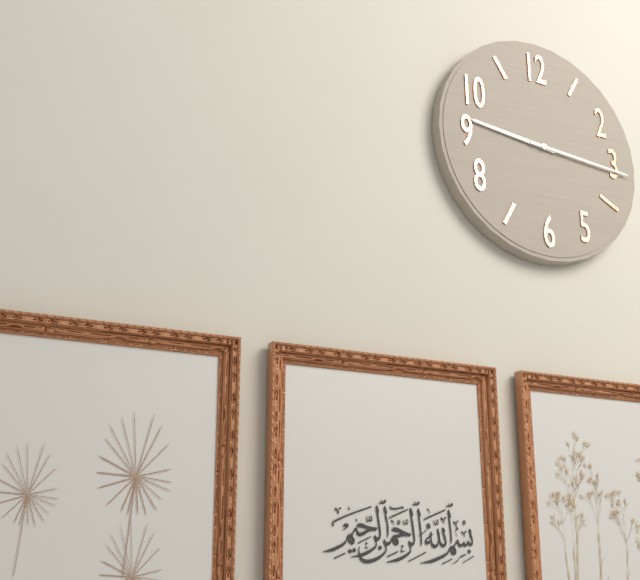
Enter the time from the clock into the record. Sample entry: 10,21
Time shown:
9,16
